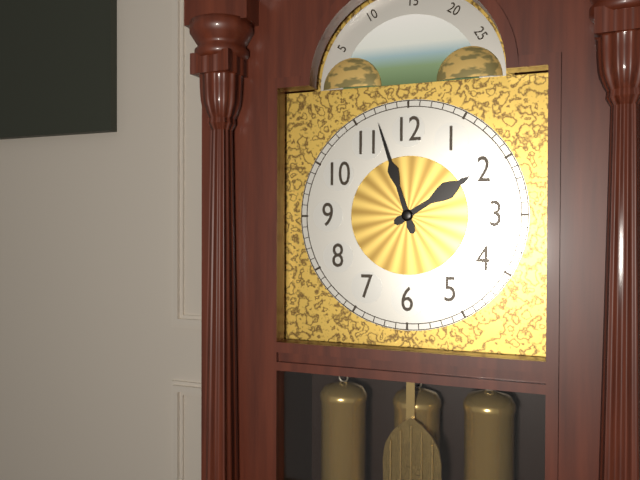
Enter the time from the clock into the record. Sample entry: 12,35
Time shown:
1,57
